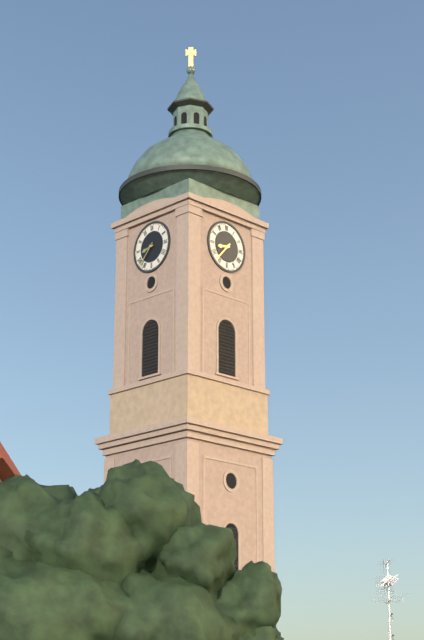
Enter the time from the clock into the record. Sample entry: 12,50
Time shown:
8,37
